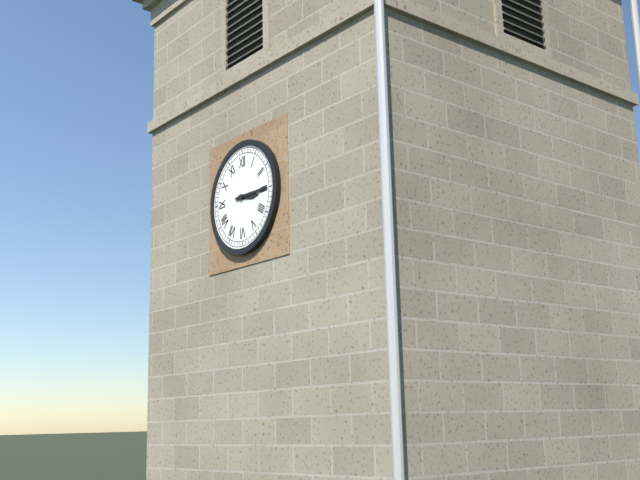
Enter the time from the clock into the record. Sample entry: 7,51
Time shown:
3,15
